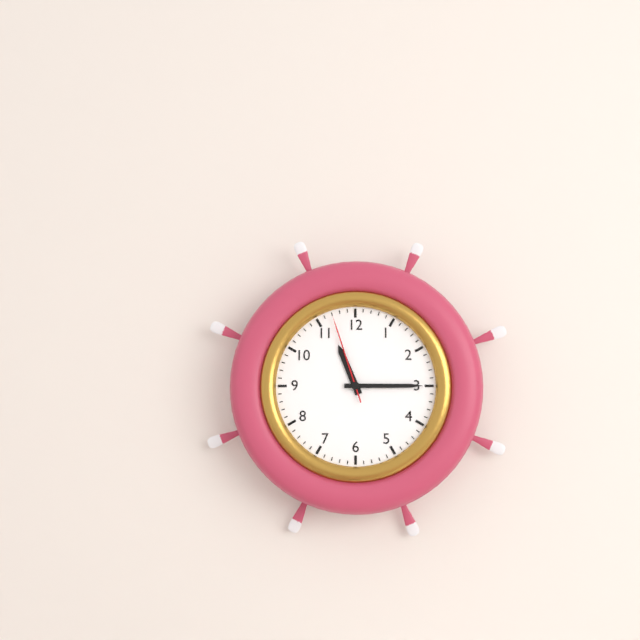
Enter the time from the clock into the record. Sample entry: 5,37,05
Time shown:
11,15,57
